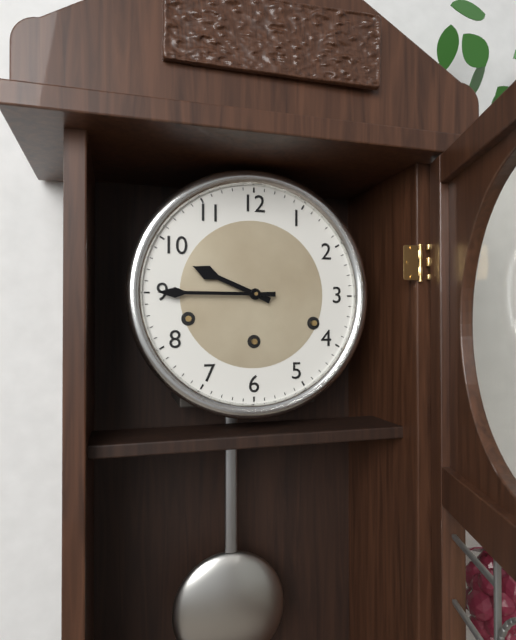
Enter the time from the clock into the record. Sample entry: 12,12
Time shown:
9,45
